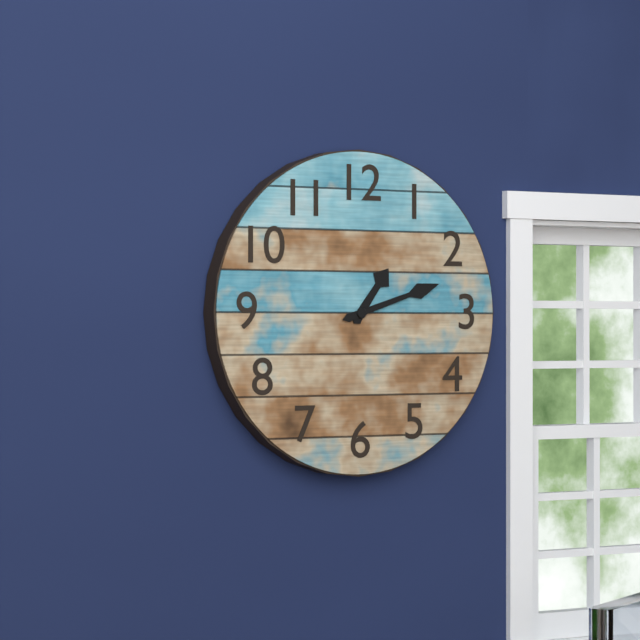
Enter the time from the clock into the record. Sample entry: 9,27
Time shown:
1,12
